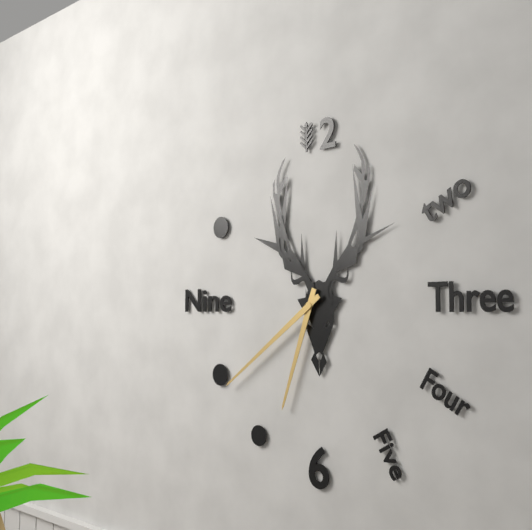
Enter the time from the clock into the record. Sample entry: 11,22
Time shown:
6,39
